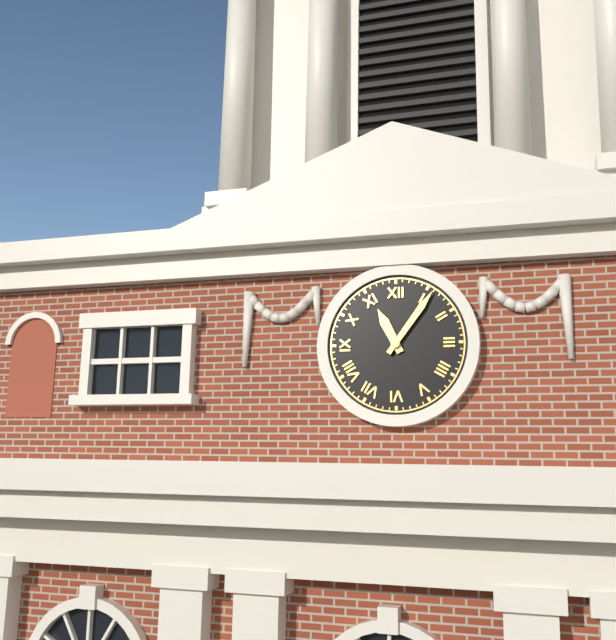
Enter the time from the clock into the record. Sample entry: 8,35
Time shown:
11,06
